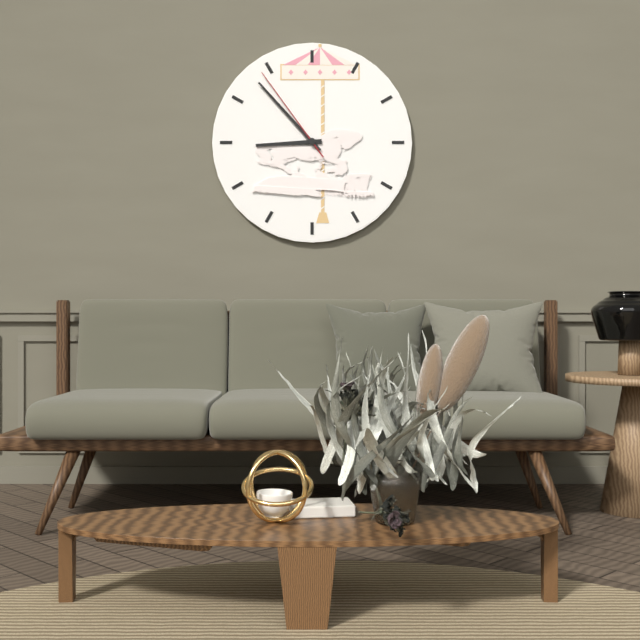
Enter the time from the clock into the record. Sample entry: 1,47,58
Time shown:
8,53,54
